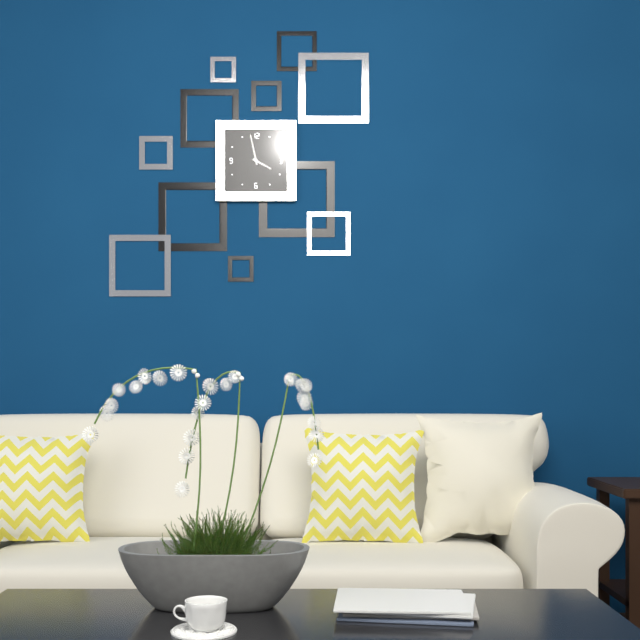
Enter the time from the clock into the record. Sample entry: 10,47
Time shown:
3,58
